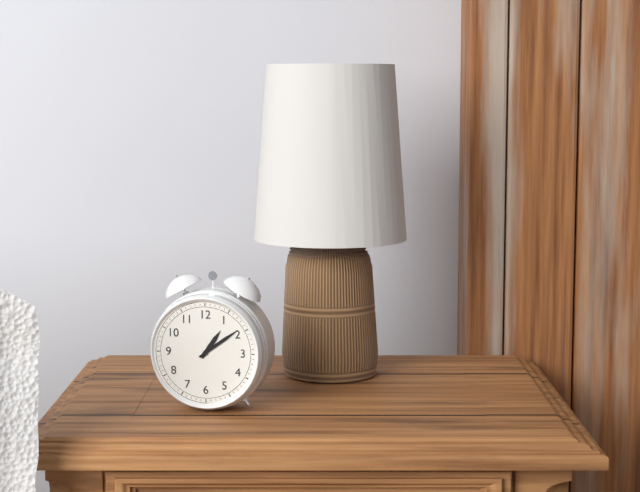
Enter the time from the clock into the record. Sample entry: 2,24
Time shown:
1,09
